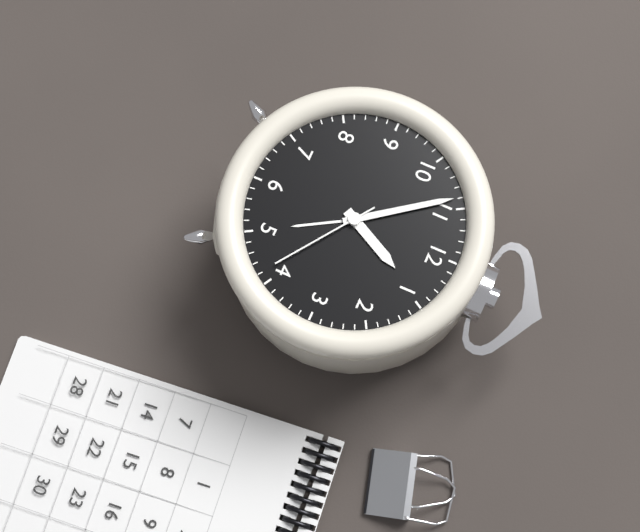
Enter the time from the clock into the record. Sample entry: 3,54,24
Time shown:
12,54,21
